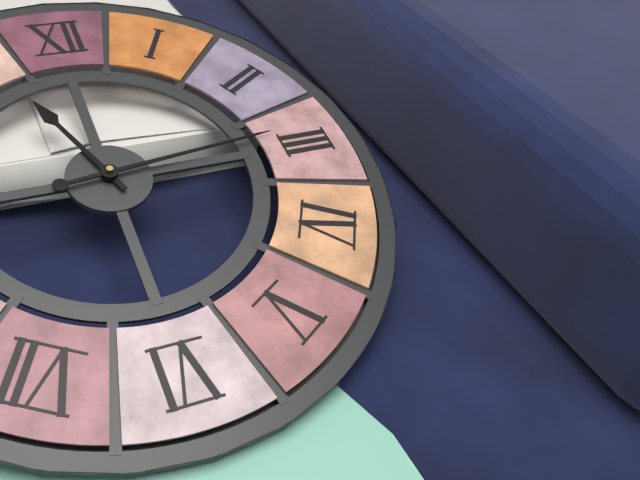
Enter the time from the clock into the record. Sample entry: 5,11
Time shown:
11,14
